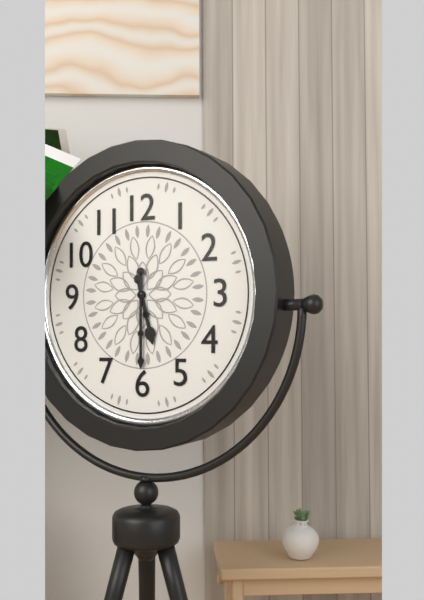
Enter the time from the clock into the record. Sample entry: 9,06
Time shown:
5,30
